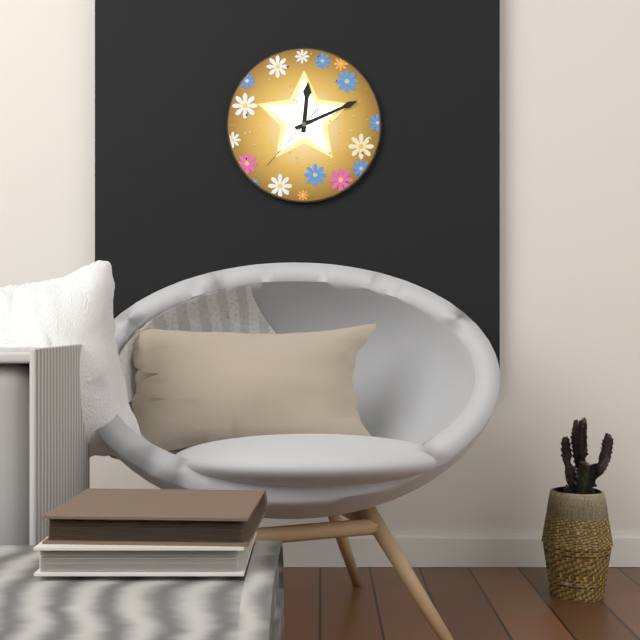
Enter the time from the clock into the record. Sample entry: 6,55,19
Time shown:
12,11,37
